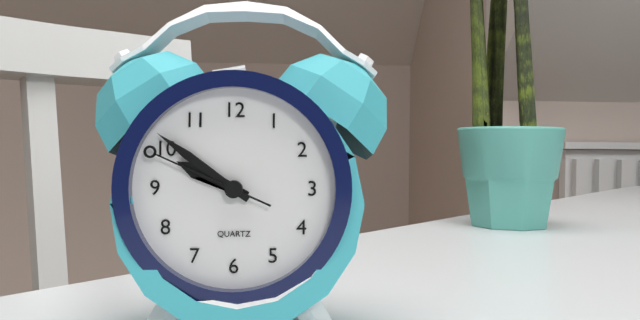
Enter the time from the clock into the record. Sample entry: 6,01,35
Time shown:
9,51,49
